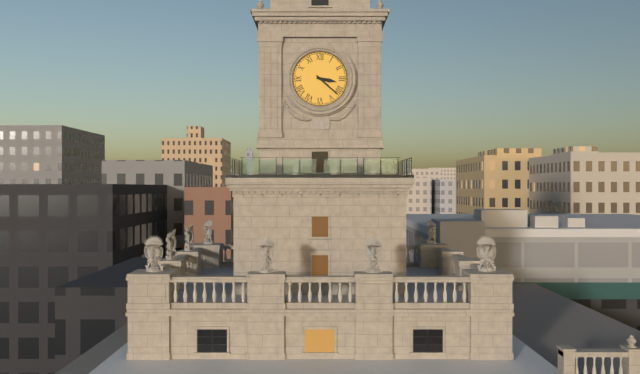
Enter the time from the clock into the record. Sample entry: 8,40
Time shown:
3,22
